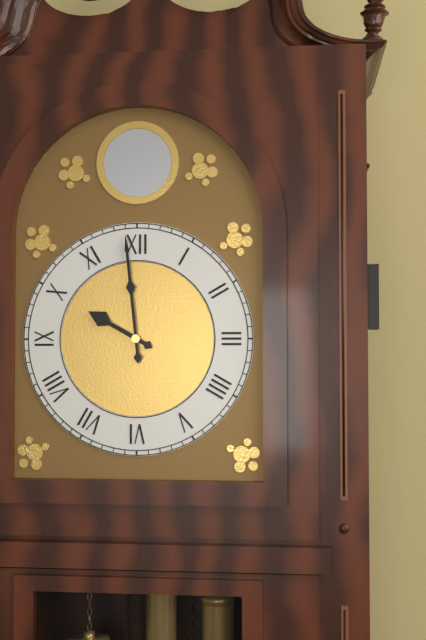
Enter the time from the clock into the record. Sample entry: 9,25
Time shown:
9,59
